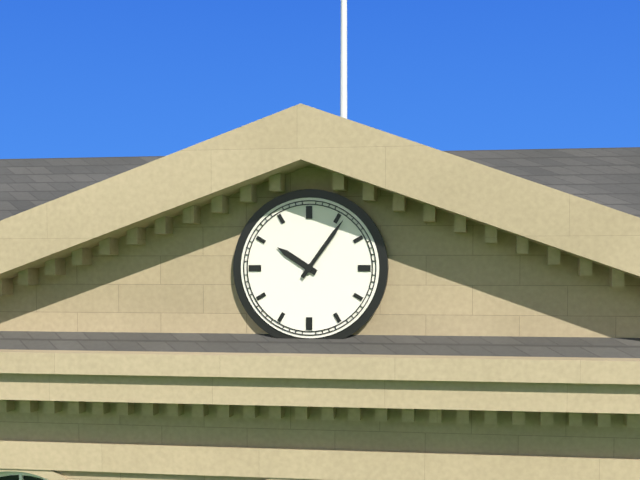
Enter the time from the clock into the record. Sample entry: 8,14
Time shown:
10,06
